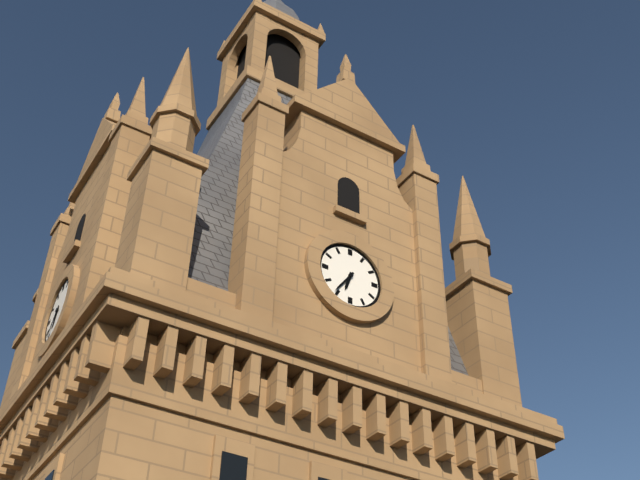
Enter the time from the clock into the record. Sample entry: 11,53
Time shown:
6,36
